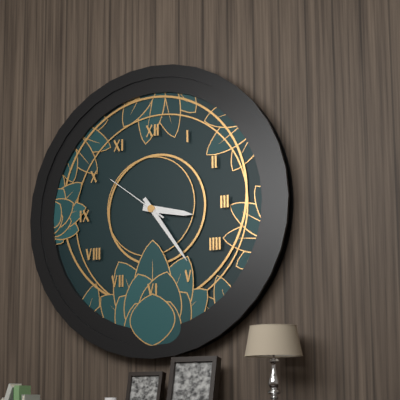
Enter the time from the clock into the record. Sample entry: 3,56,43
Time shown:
3,24,51
